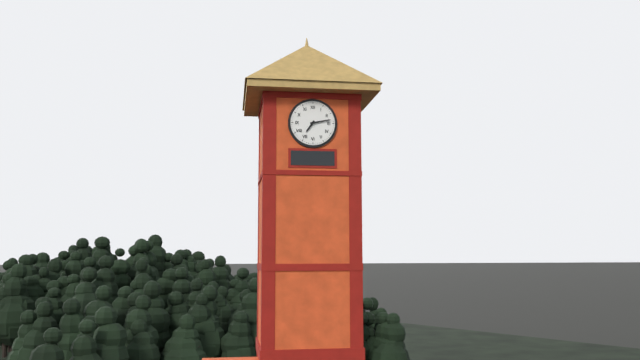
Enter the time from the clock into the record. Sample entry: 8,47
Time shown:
7,13
